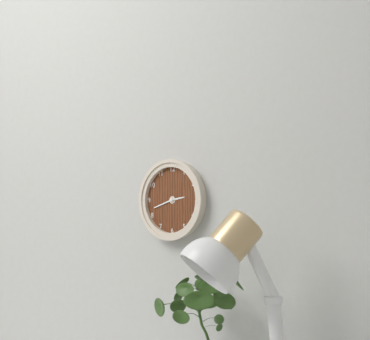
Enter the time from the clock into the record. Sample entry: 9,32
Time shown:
2,42
